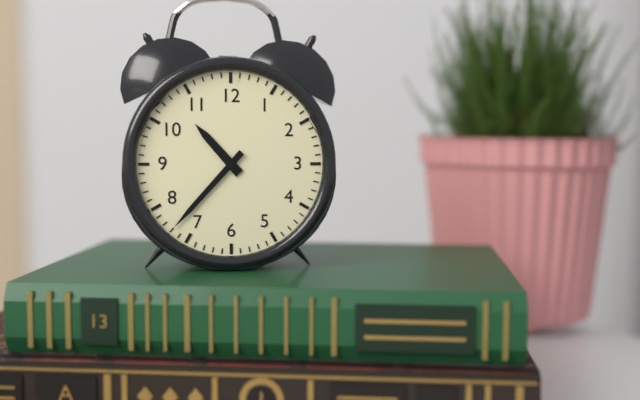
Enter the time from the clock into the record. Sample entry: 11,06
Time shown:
10,37
